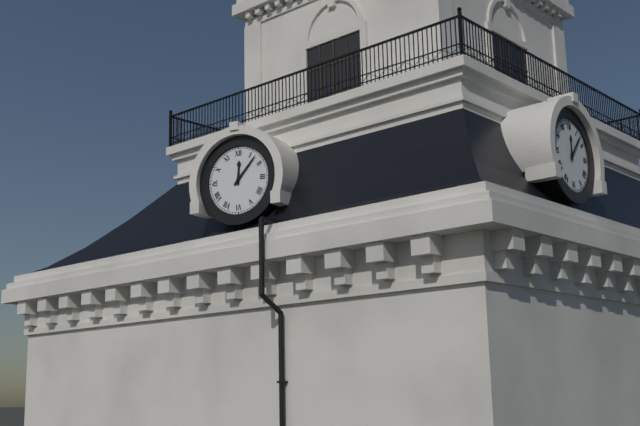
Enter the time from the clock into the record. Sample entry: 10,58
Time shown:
12,07
